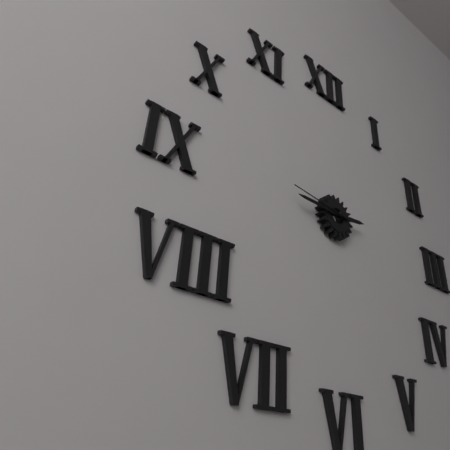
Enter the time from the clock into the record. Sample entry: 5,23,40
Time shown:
2,45,46
